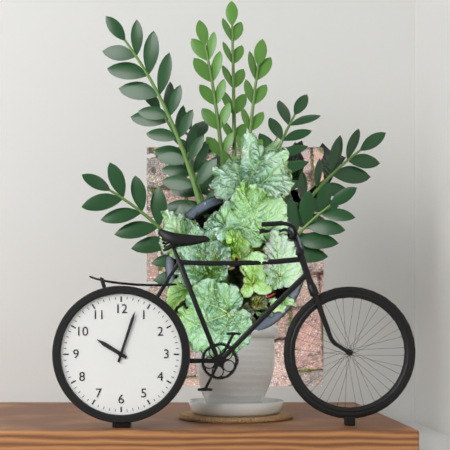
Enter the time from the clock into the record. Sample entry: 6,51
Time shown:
10,03
